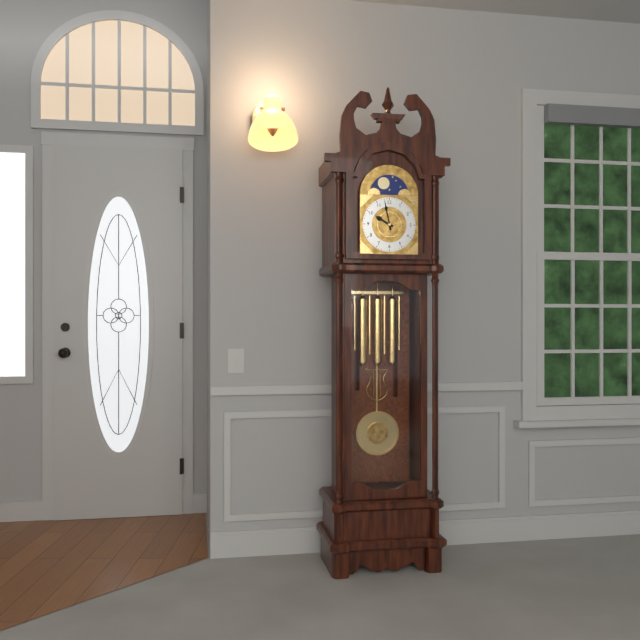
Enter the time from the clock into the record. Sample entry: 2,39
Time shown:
9,58
